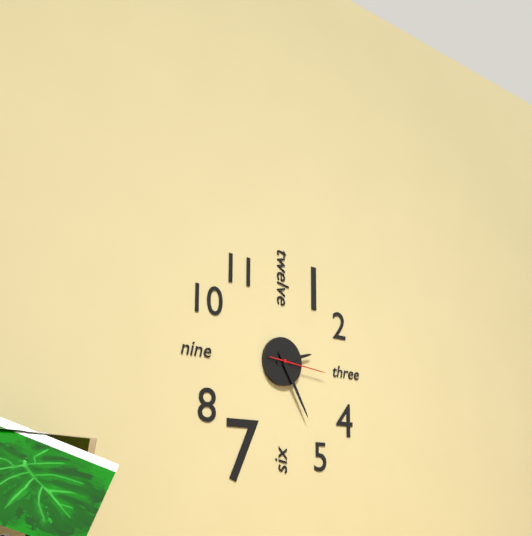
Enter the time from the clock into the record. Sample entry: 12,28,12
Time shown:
2,25,16
